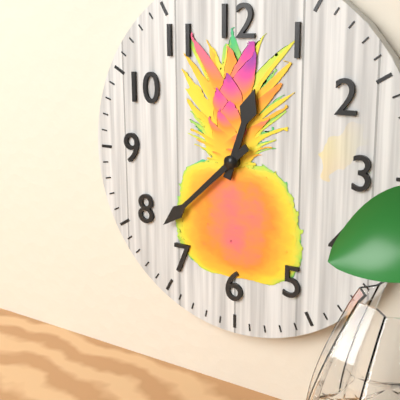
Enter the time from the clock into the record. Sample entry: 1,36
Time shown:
12,38
